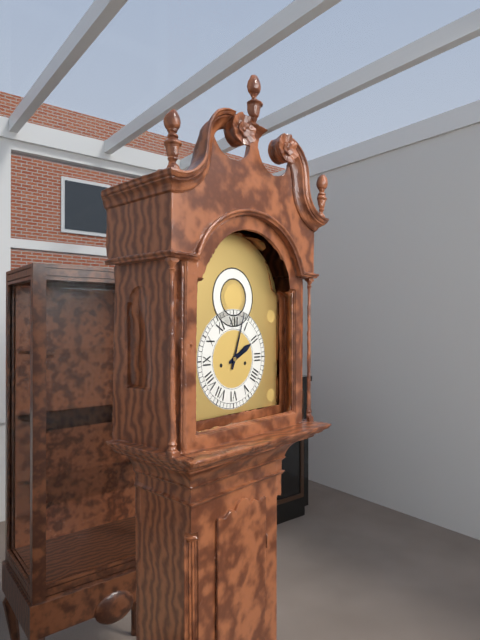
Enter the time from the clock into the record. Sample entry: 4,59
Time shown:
2,03
